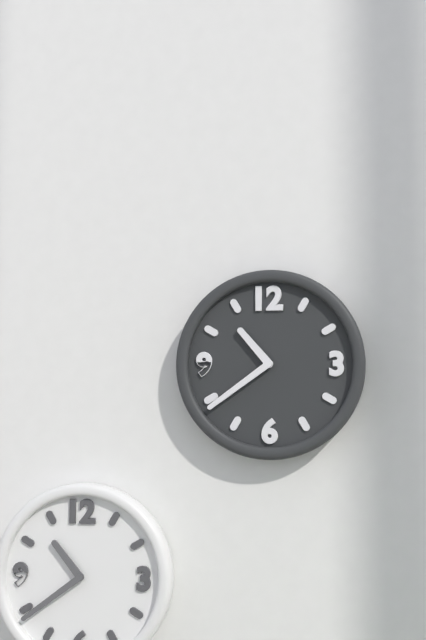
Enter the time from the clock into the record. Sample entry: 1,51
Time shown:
10,39
